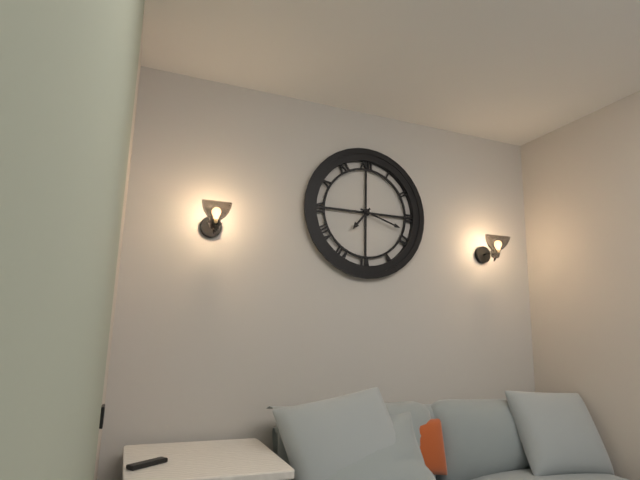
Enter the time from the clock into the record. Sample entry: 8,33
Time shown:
7,18
